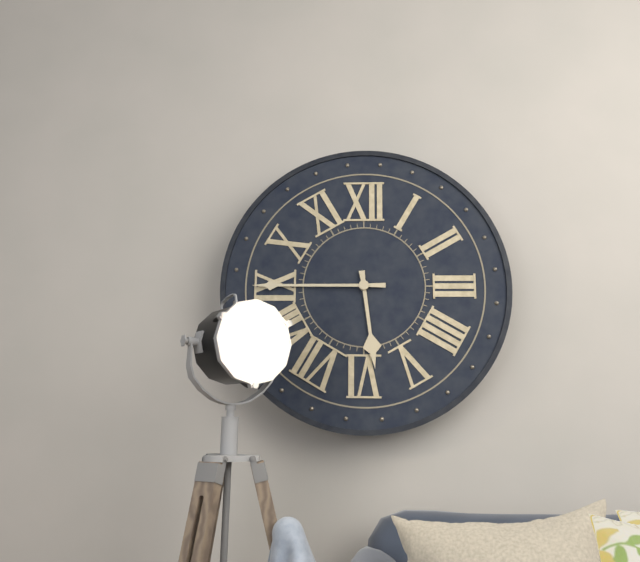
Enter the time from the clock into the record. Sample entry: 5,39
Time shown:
5,45
